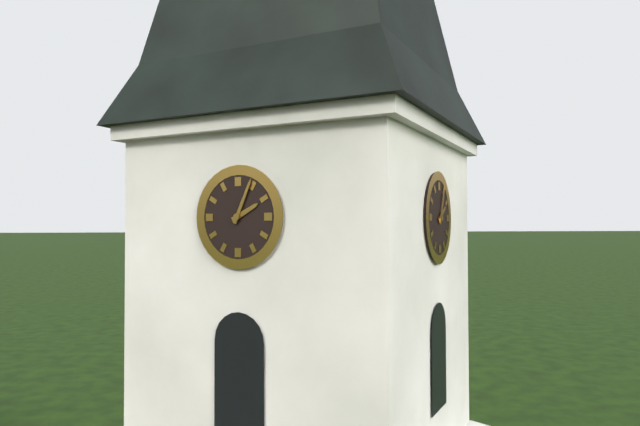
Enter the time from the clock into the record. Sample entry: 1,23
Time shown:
2,04
